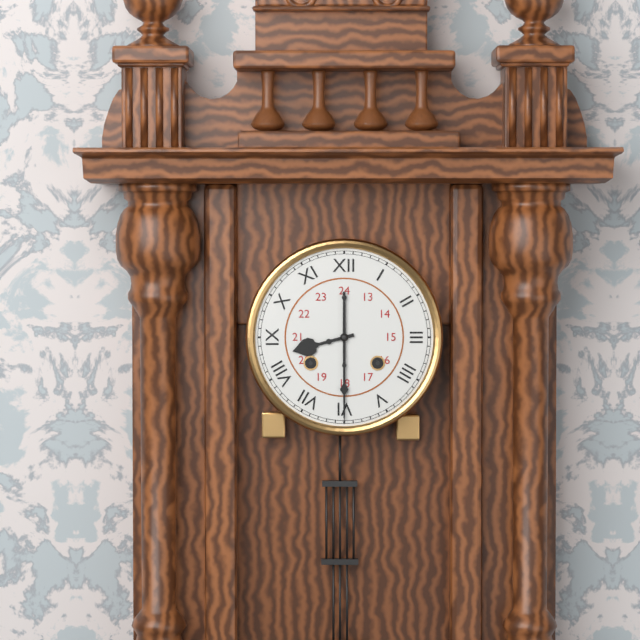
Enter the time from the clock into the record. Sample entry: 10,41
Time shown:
8,30
